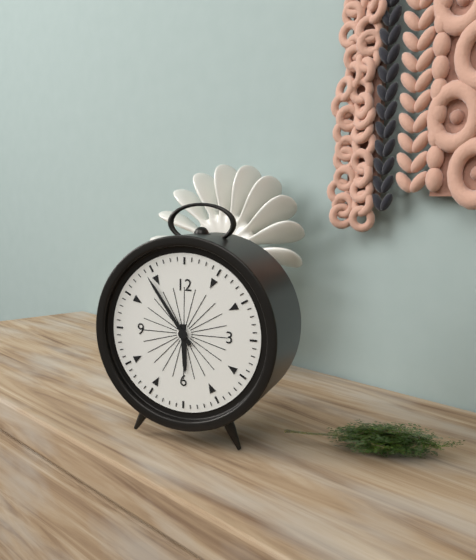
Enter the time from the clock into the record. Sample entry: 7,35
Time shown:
5,54
